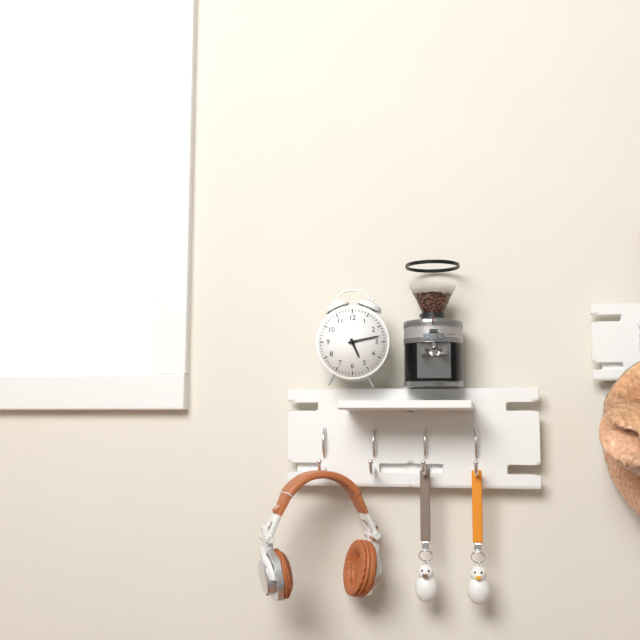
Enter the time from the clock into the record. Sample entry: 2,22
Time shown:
5,13
